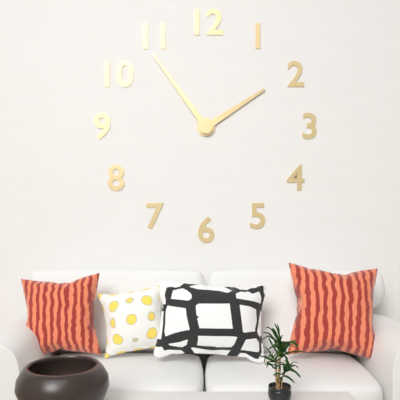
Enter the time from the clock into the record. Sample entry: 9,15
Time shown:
1,54
